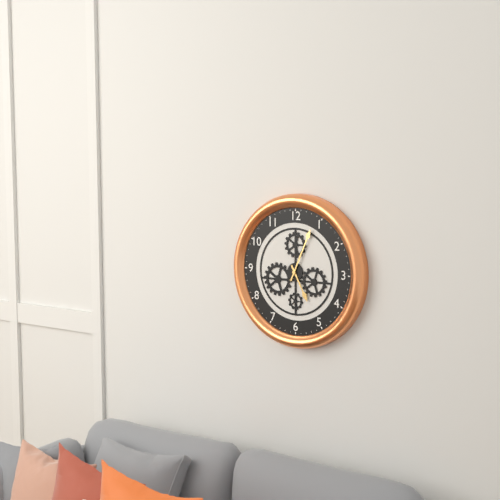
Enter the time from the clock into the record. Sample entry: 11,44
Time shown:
5,04
